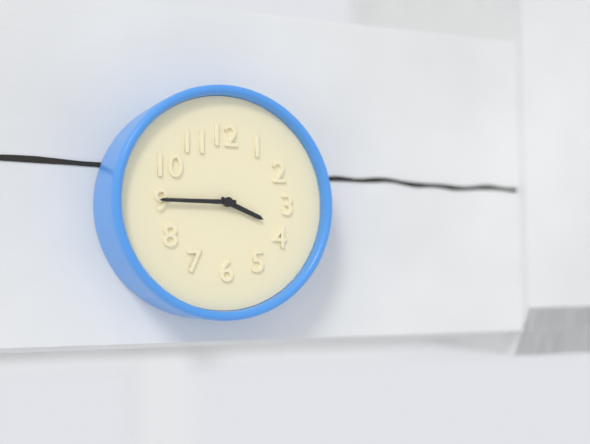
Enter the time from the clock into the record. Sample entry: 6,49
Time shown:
3,45
